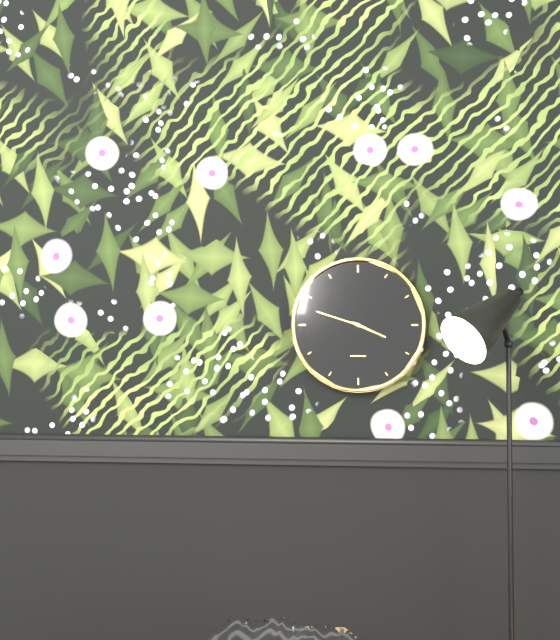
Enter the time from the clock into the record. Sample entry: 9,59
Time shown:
3,48
